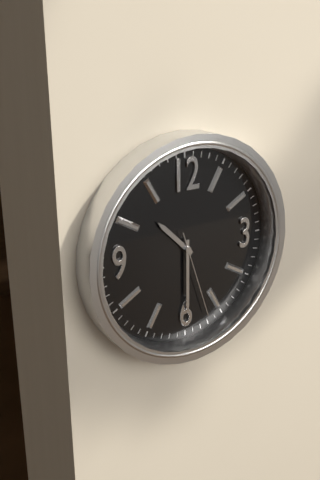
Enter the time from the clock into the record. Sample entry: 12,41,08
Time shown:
10,30,27
